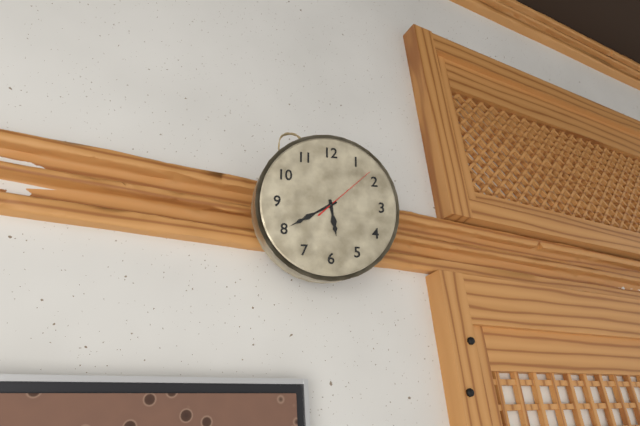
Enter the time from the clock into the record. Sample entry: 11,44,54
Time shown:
5,40,08
